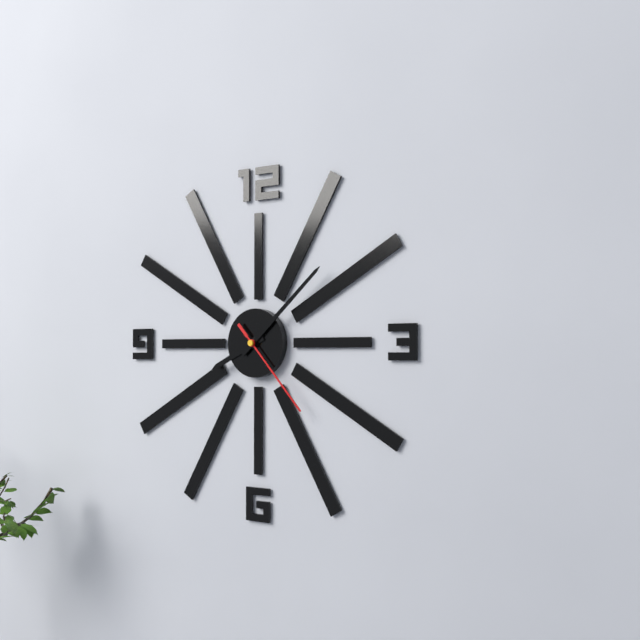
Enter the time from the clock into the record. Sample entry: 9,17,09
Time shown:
8,08,23
